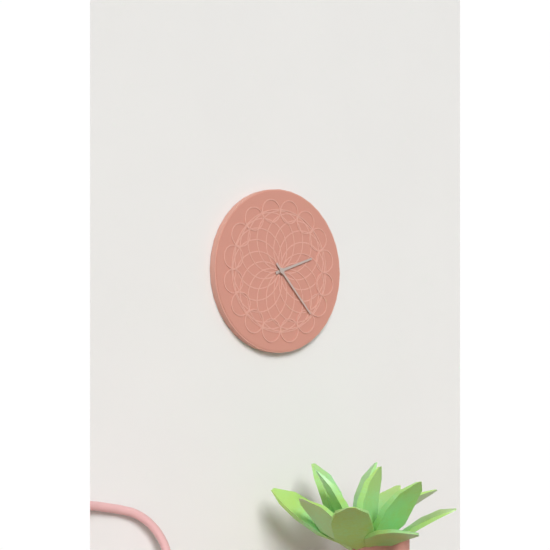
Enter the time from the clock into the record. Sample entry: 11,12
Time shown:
2,23
